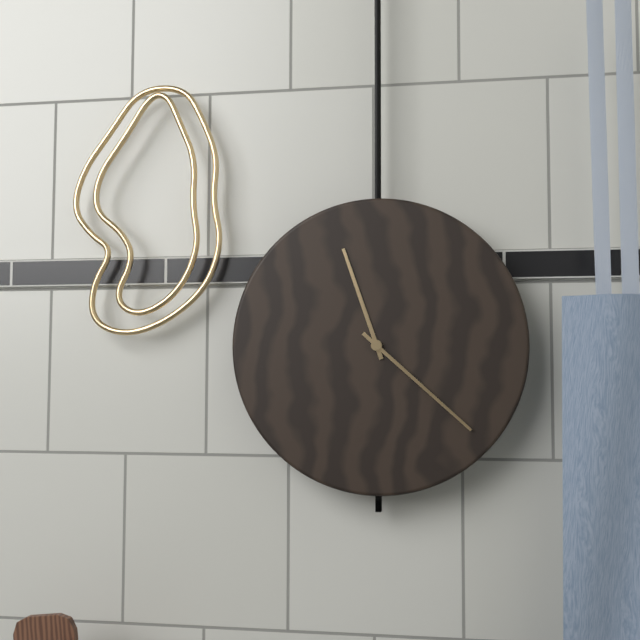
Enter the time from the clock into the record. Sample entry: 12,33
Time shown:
11,22
